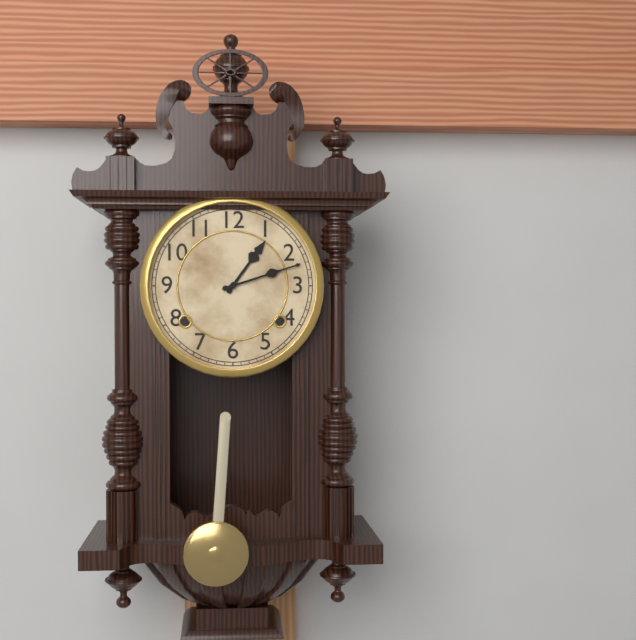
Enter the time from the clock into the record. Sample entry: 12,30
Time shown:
1,12
